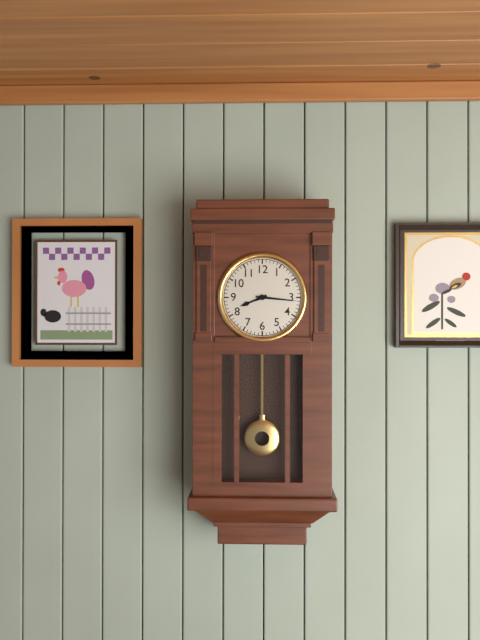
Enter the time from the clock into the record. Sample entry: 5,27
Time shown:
8,16
